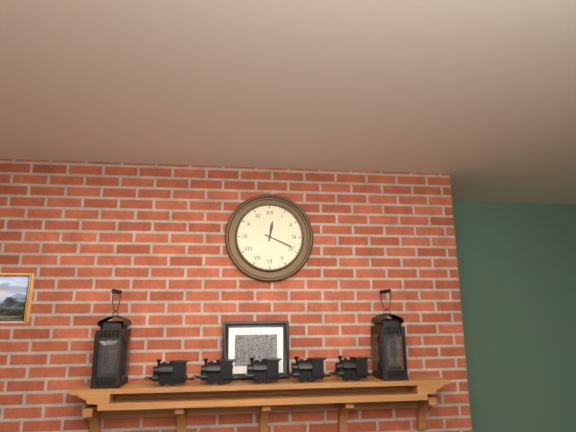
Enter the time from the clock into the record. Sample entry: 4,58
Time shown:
12,19
